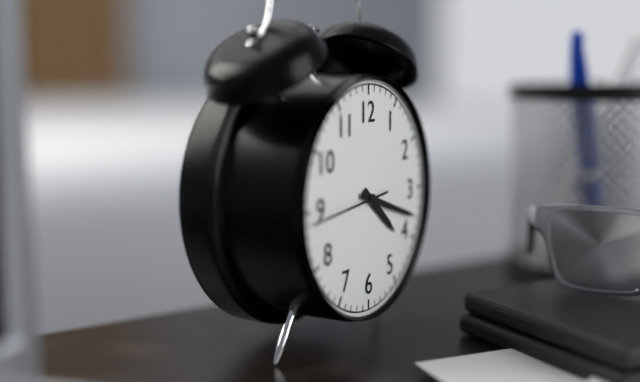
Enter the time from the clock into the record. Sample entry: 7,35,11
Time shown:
4,18,44
